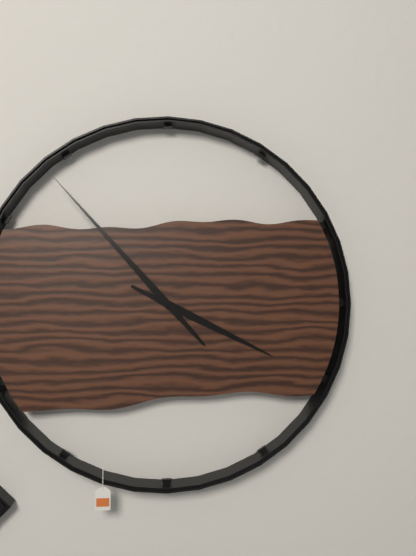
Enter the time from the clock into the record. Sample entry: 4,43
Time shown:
3,53
